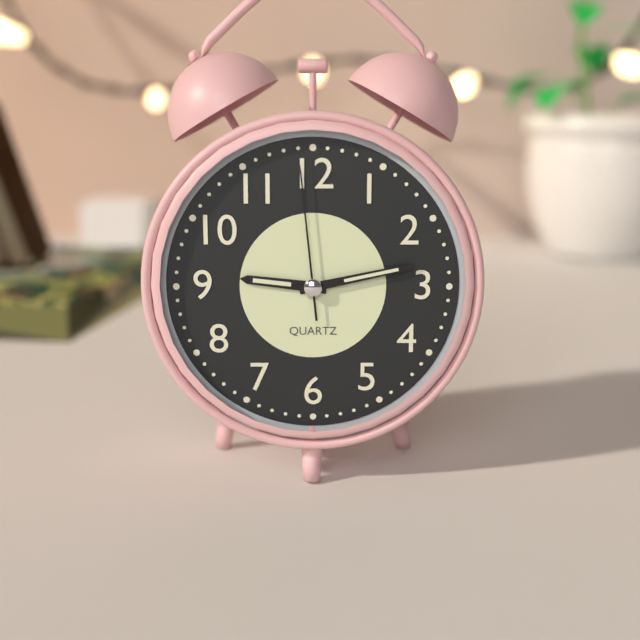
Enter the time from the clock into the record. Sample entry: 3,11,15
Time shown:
9,13,59
